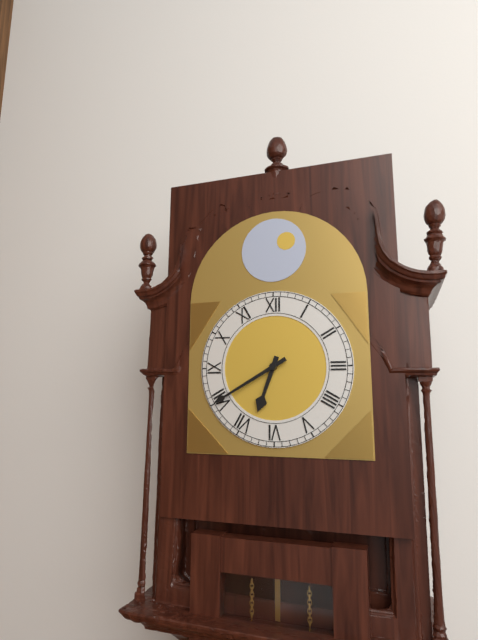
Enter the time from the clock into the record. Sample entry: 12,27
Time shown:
6,40
